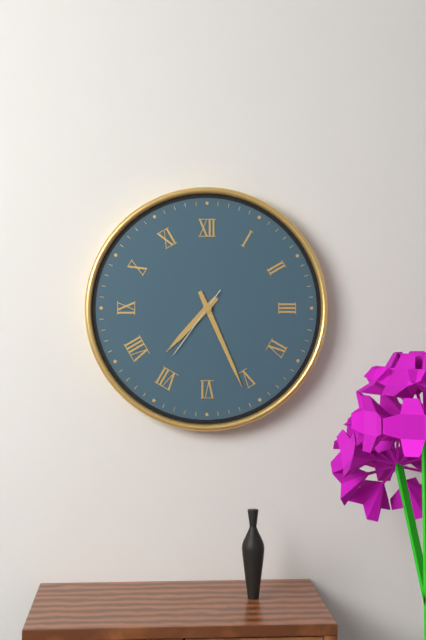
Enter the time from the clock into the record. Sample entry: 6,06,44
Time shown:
7,26,36
